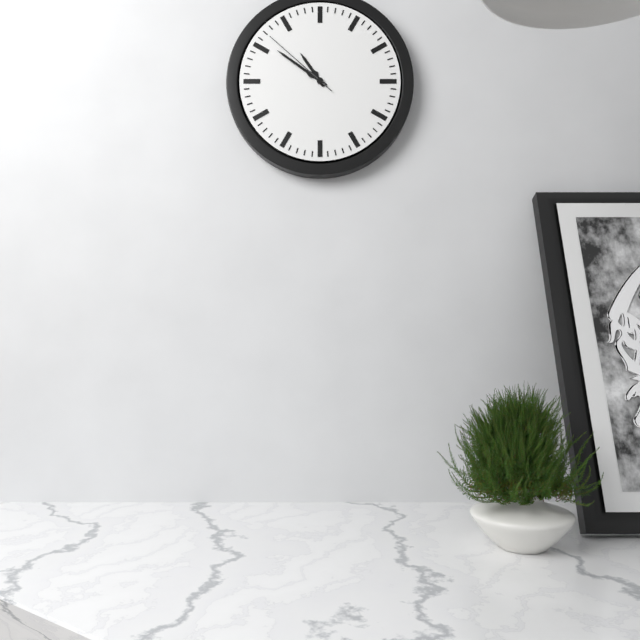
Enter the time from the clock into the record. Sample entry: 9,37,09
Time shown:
10,51,52
